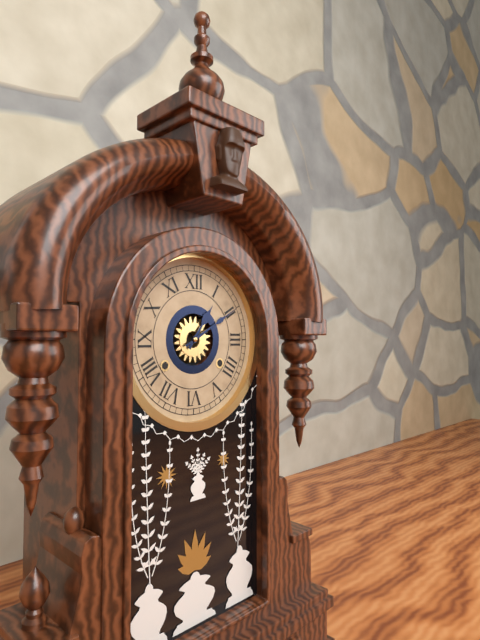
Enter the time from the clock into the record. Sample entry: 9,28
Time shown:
1,10
